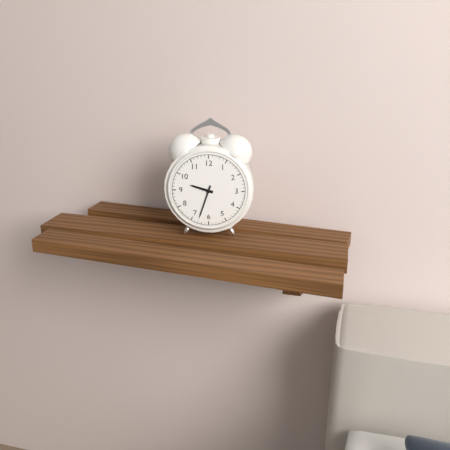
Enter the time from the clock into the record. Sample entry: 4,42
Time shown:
9,33
